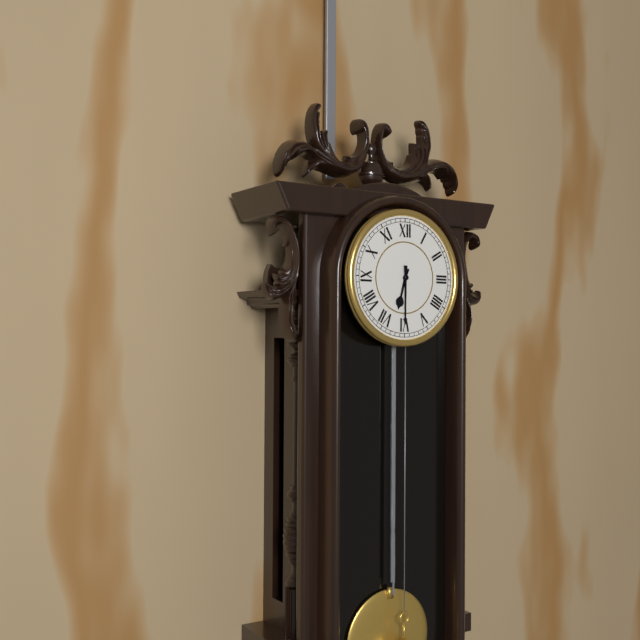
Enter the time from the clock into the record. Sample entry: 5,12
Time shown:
6,30
